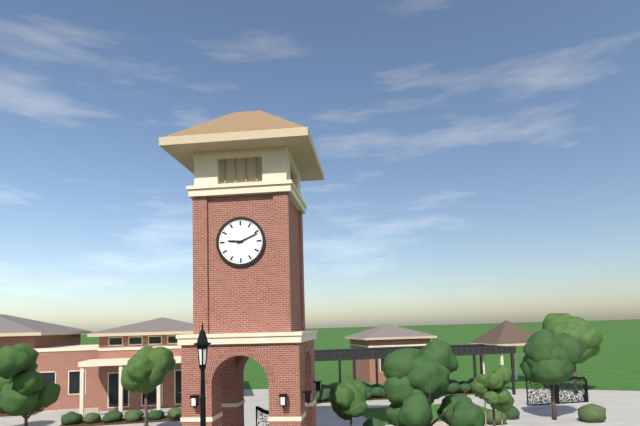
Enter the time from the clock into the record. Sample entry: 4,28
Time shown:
9,11
